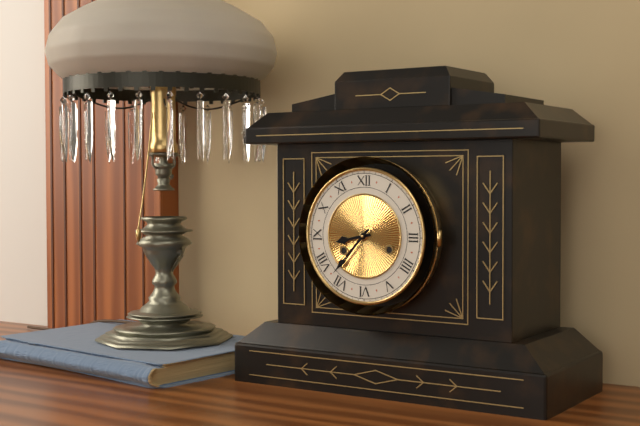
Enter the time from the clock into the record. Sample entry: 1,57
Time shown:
8,37
